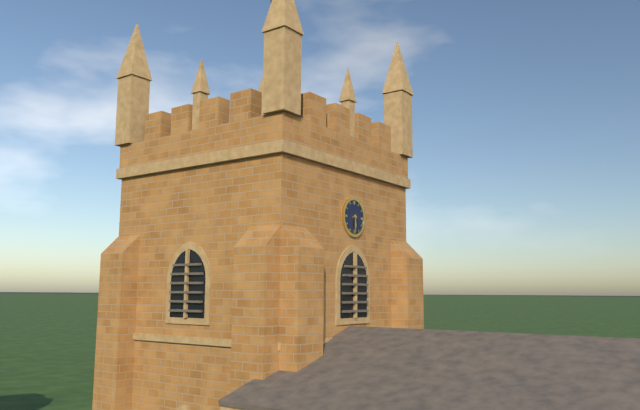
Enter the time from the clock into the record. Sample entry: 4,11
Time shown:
5,30
